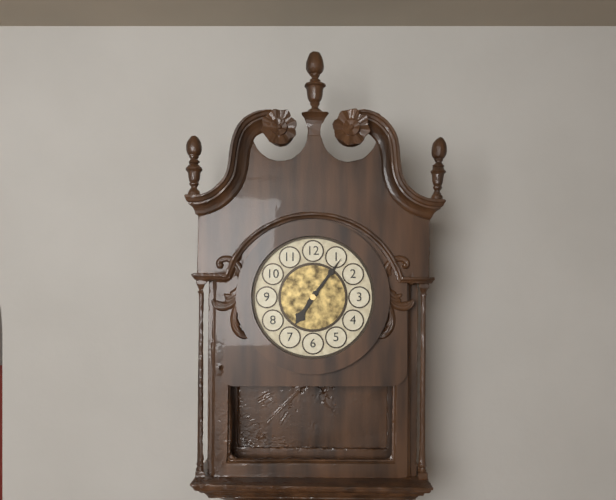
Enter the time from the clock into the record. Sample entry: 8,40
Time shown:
7,06
